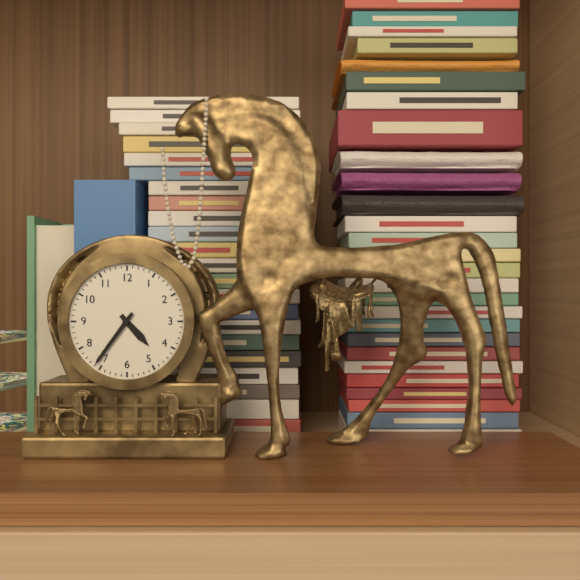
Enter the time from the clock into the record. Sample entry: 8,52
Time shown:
4,36
